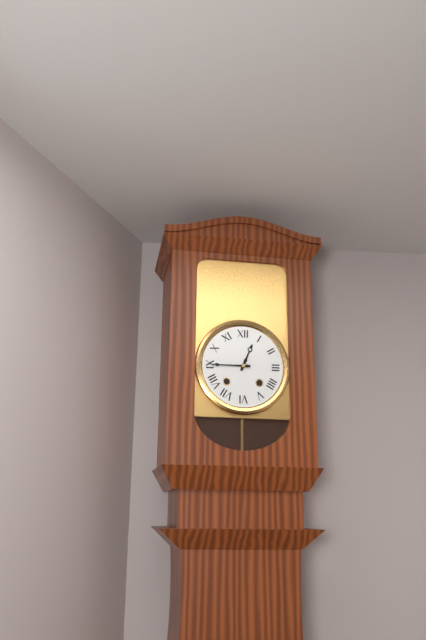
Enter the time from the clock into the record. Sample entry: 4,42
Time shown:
12,45
